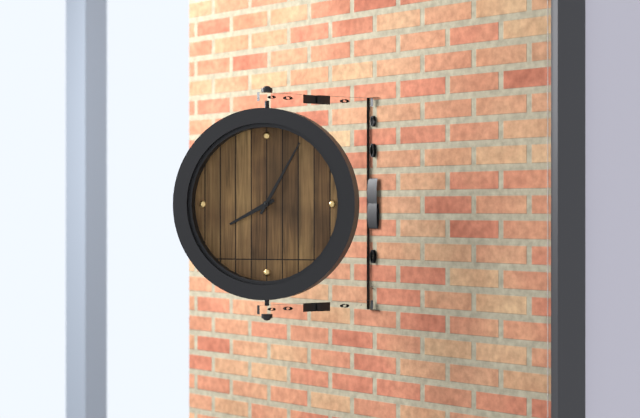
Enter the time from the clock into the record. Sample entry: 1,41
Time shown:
8,05
